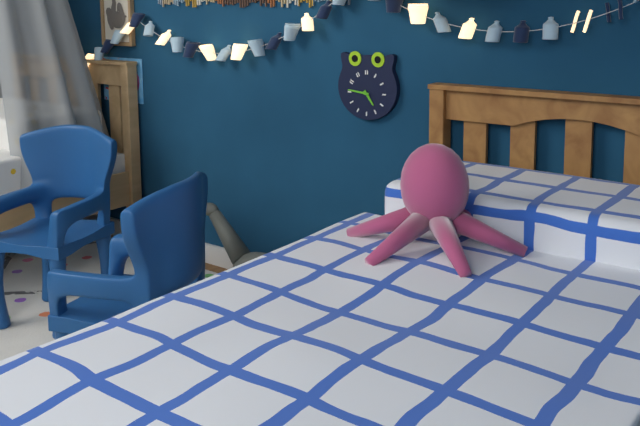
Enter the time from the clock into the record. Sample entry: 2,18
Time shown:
4,46
